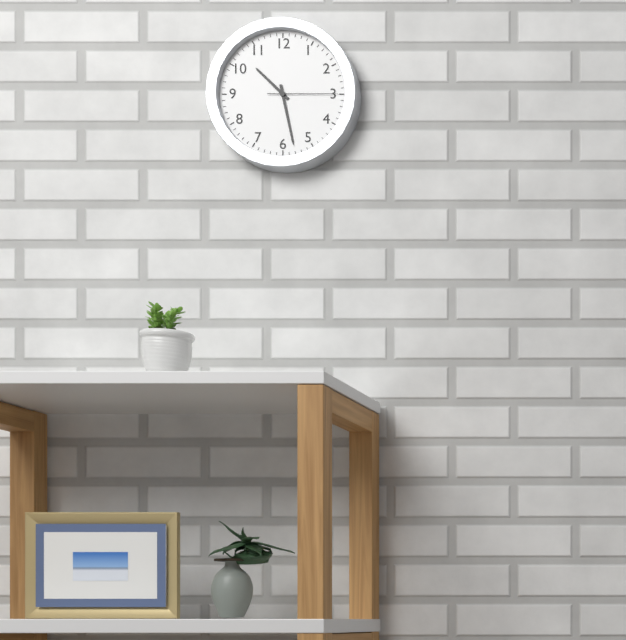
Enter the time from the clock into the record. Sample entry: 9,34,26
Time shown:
10,28,15
